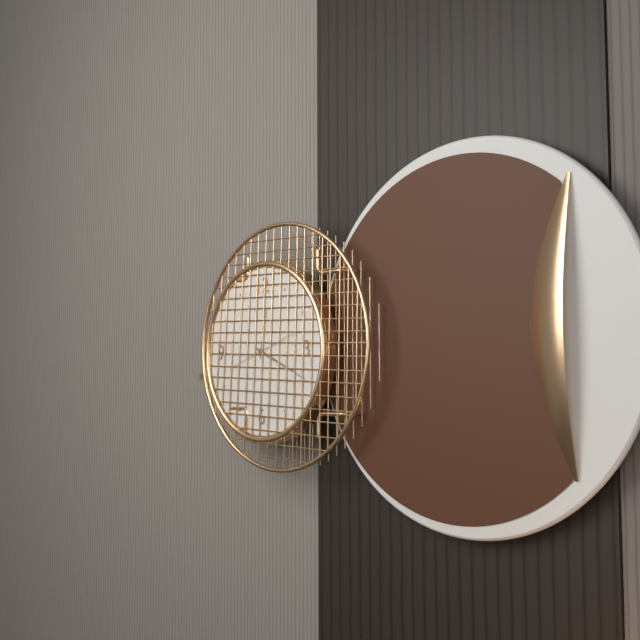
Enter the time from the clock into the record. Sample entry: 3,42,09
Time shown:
12,19,12
